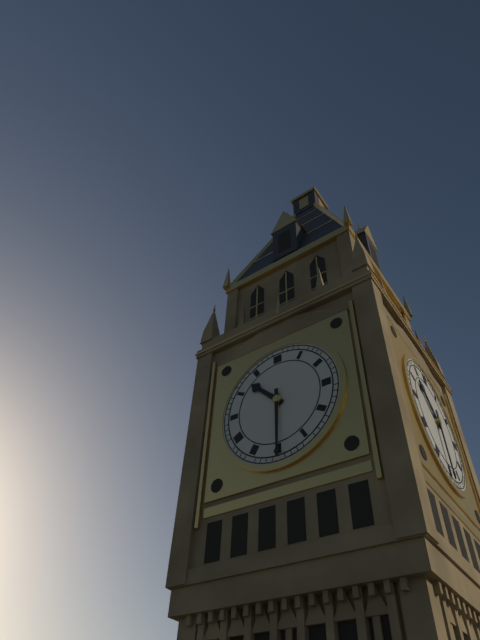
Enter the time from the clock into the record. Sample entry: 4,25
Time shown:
10,30
